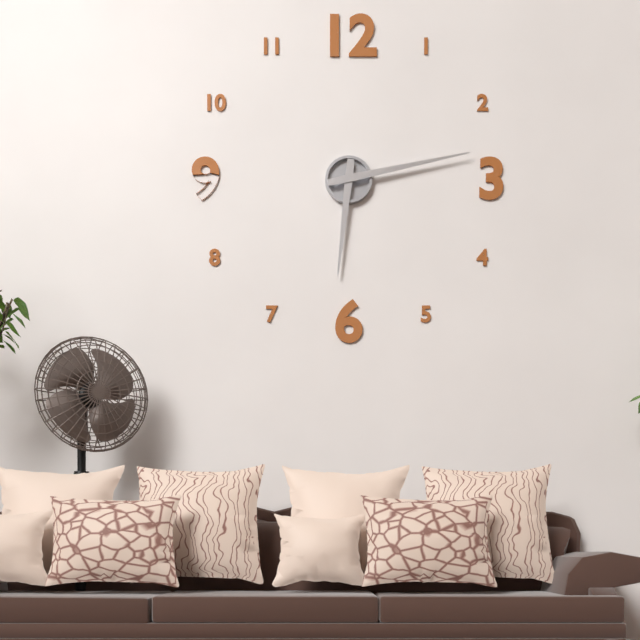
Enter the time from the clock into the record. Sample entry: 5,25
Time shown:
6,13
